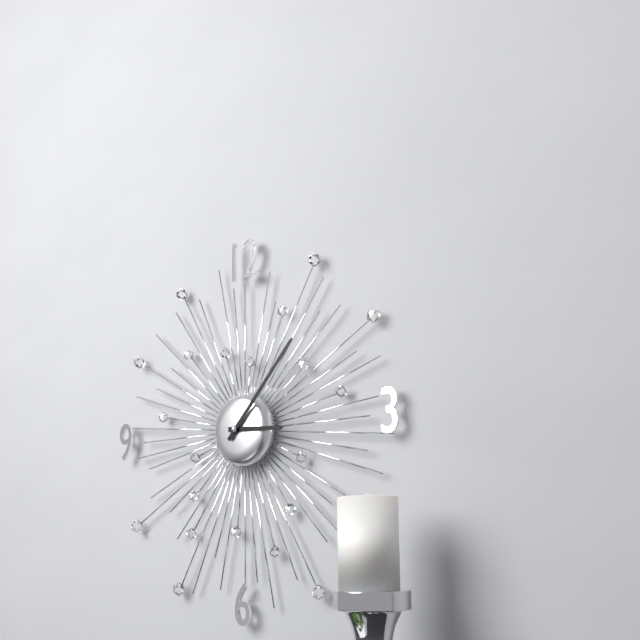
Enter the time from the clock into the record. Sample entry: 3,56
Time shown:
3,07
